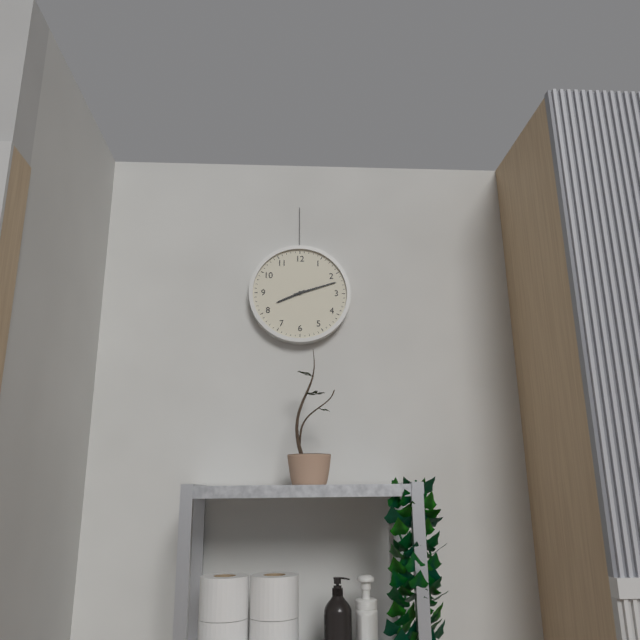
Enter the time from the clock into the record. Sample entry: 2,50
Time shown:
8,12
